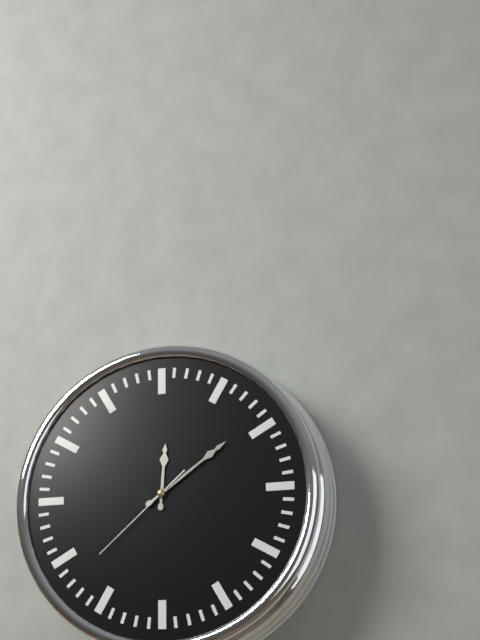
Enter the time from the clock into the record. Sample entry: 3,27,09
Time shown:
12,09,38
